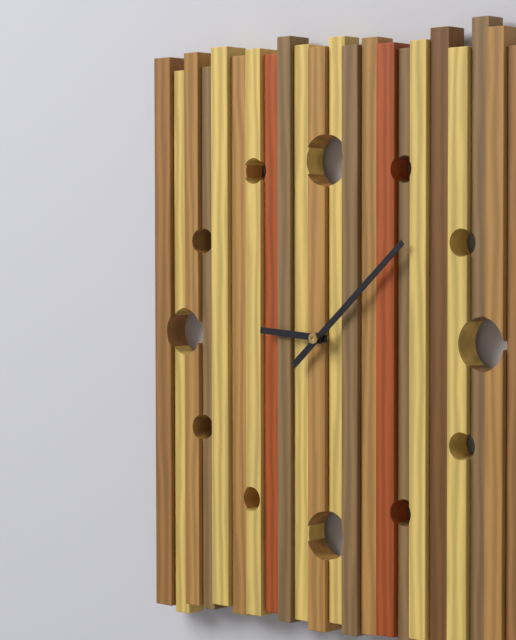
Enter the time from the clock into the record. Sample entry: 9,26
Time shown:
9,08
